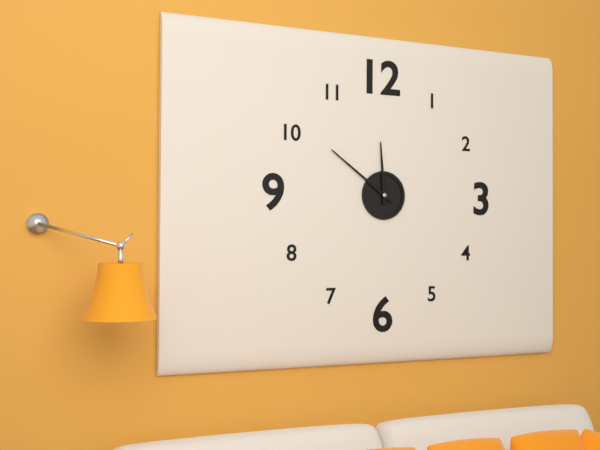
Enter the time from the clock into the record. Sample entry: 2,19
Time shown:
11,51
